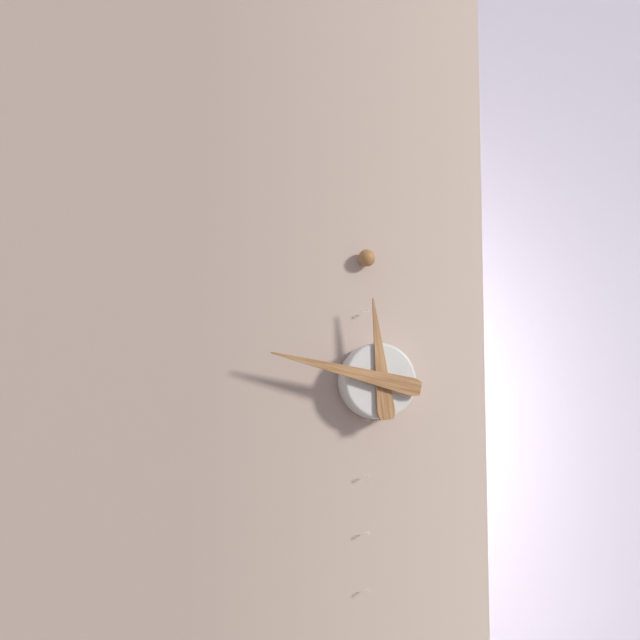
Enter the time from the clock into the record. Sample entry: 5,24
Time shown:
11,47
